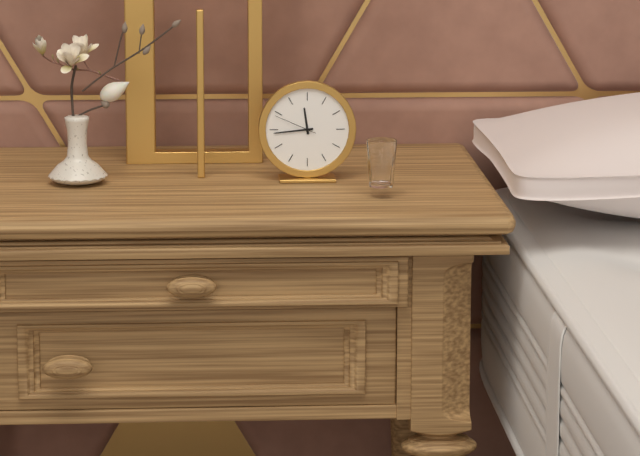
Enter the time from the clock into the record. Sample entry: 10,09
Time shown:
11,44
